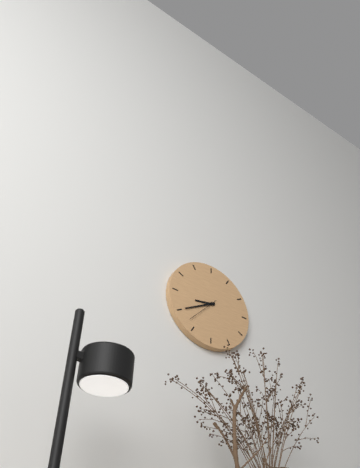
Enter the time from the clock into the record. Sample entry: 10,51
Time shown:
8,40
